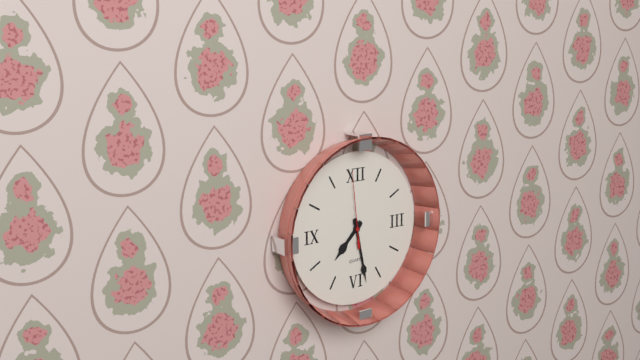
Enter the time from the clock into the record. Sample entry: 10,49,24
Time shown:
7,28,59
